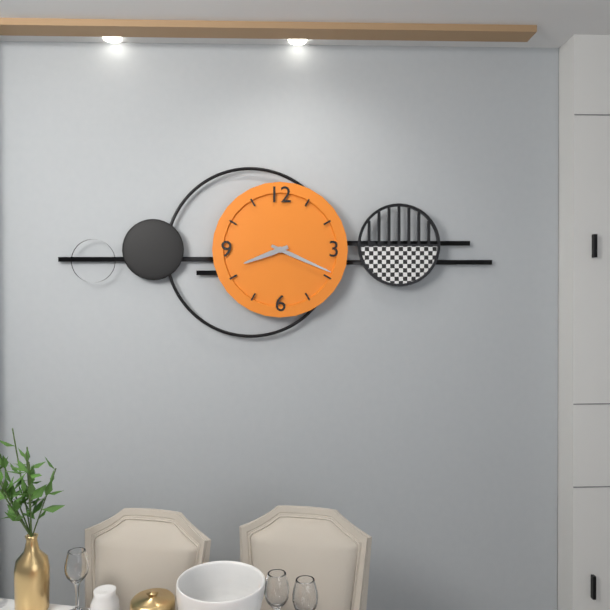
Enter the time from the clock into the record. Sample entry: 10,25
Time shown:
8,19
